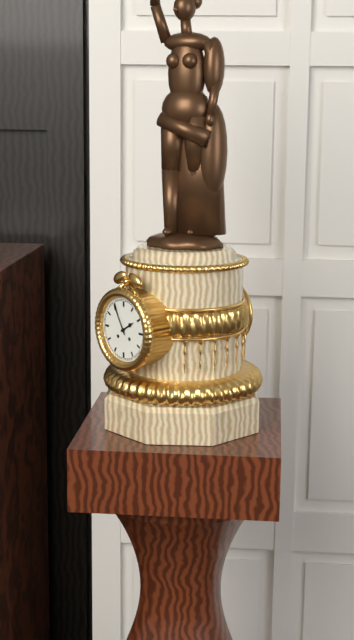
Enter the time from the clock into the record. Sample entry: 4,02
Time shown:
1,55
